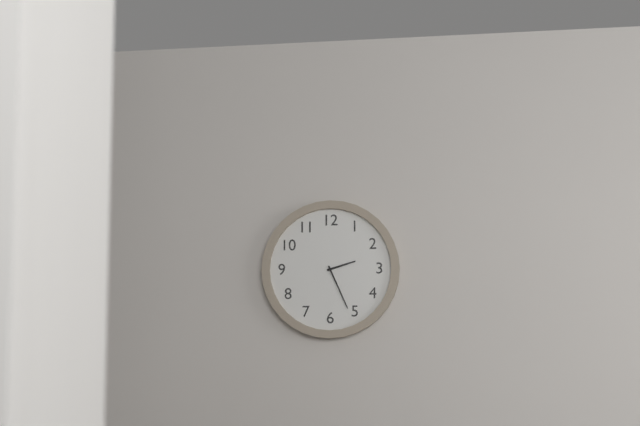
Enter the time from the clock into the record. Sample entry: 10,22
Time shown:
2,26
